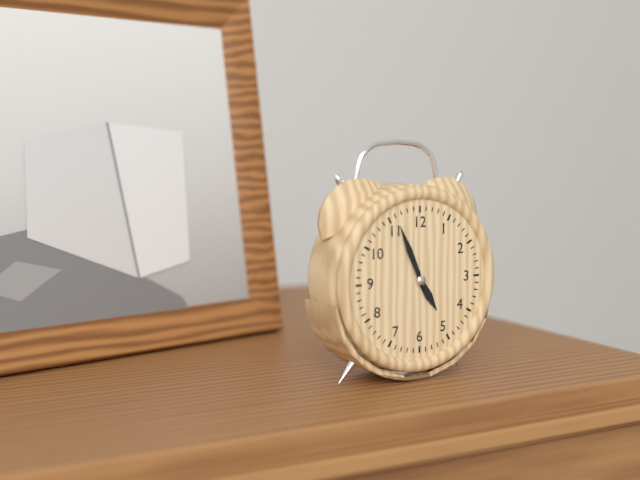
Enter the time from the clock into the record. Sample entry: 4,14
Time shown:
4,56
